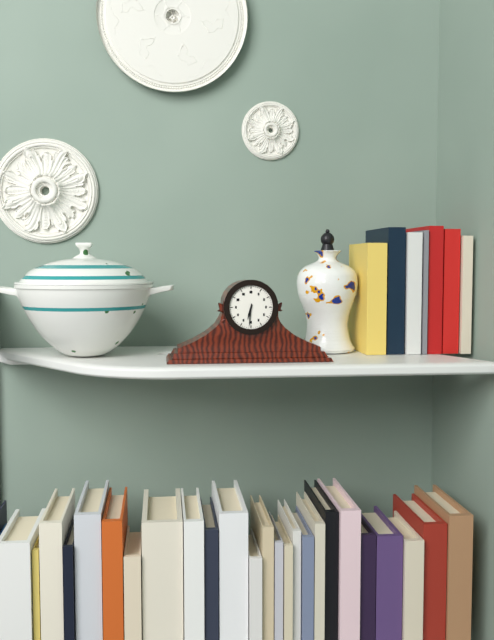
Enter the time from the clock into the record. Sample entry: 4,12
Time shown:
6,31
